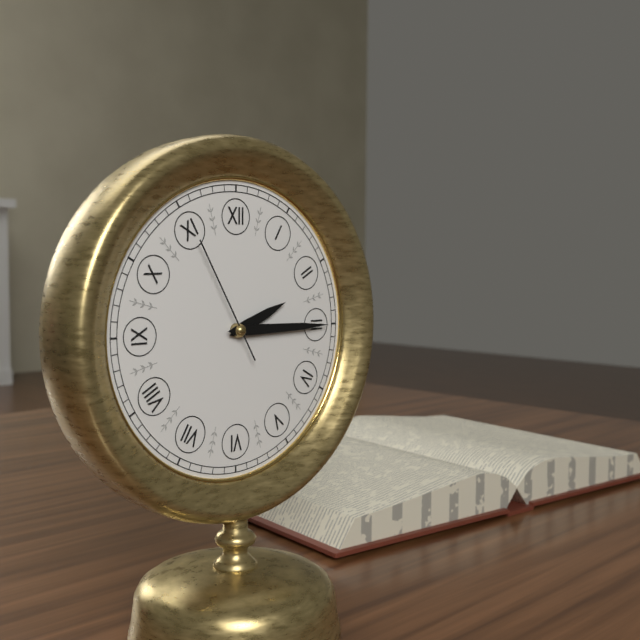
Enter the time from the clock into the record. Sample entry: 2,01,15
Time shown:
2,15,55
